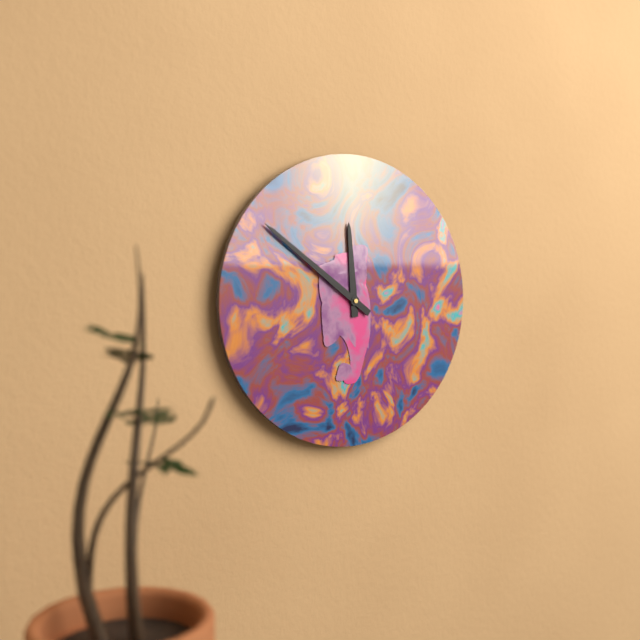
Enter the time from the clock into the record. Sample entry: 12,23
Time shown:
11,51
